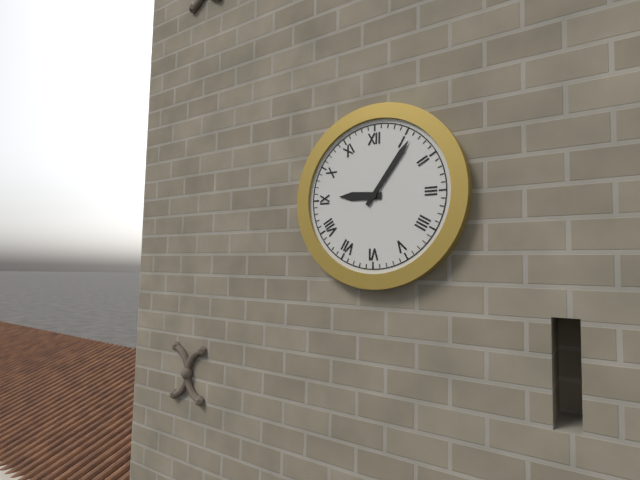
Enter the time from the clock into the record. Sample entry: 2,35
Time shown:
9,06
